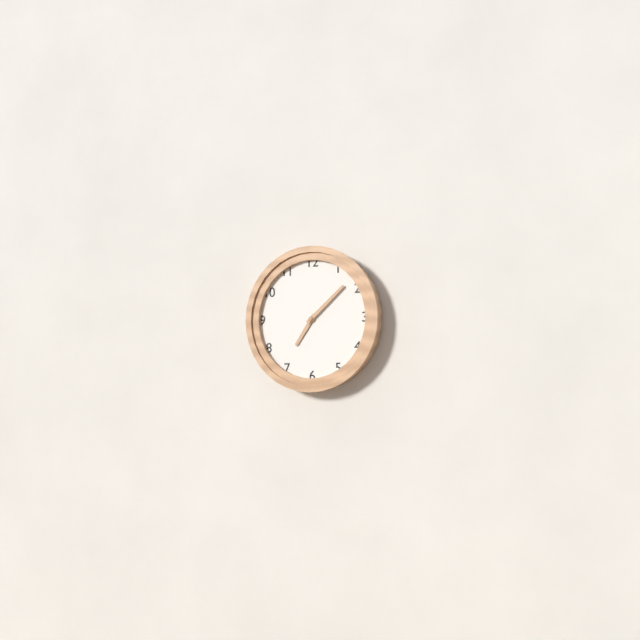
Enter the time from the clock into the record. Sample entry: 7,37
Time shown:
7,08
